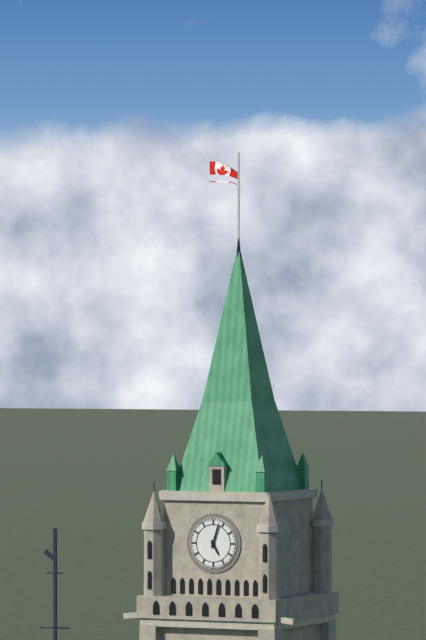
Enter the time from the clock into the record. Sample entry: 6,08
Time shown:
5,03
